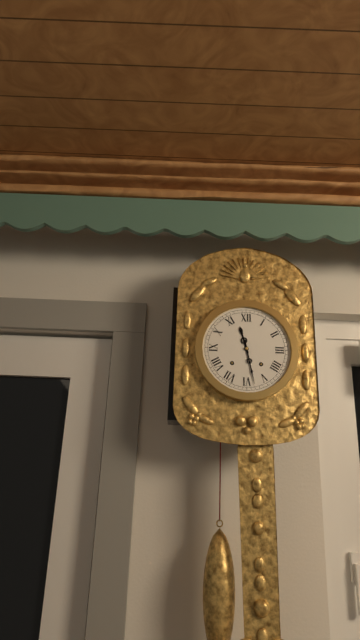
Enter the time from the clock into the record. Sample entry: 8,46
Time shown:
11,28
